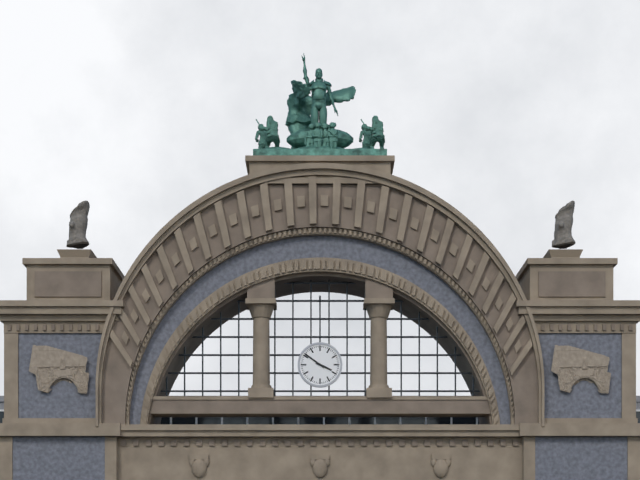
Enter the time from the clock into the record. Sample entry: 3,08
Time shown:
3,51
